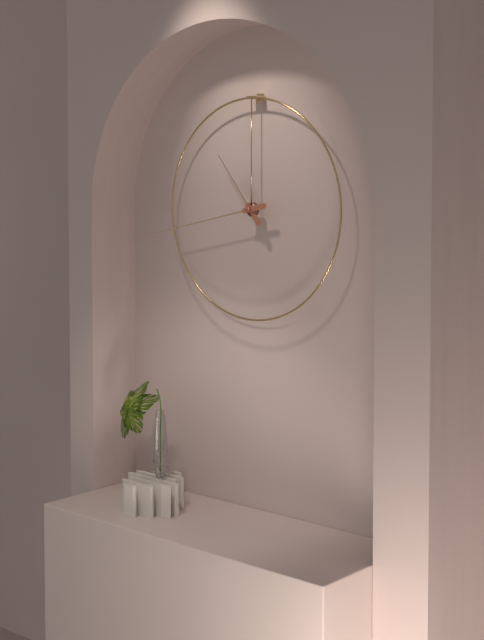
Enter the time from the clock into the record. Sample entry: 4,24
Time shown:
10,43
